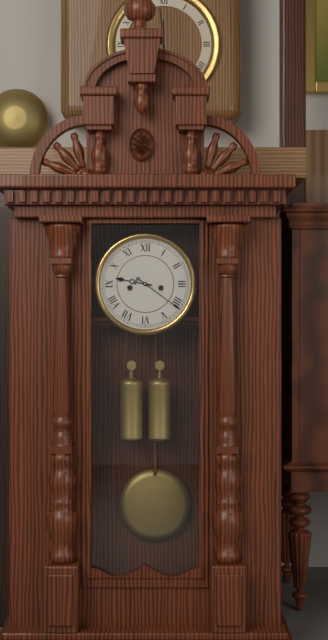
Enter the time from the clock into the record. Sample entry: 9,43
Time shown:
9,21
